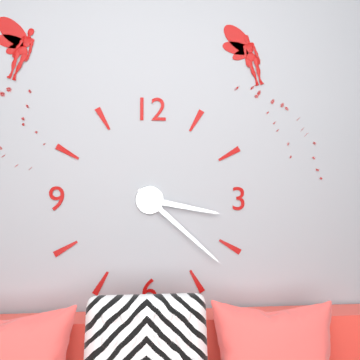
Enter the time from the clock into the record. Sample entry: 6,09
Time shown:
3,22
